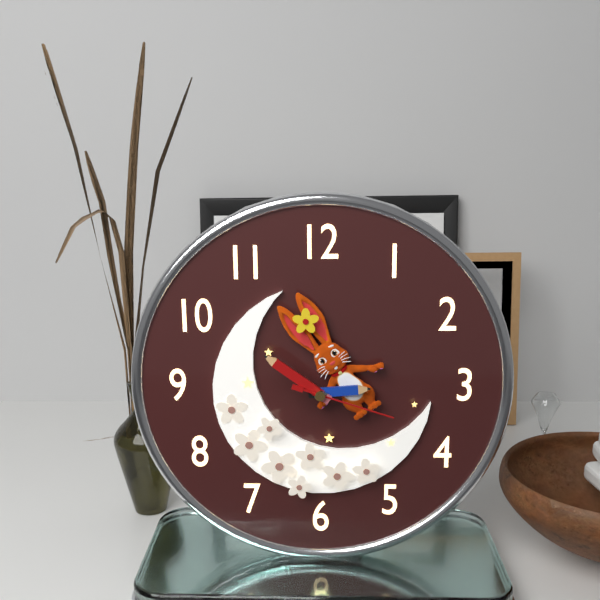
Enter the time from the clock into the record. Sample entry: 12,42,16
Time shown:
2,51,18
